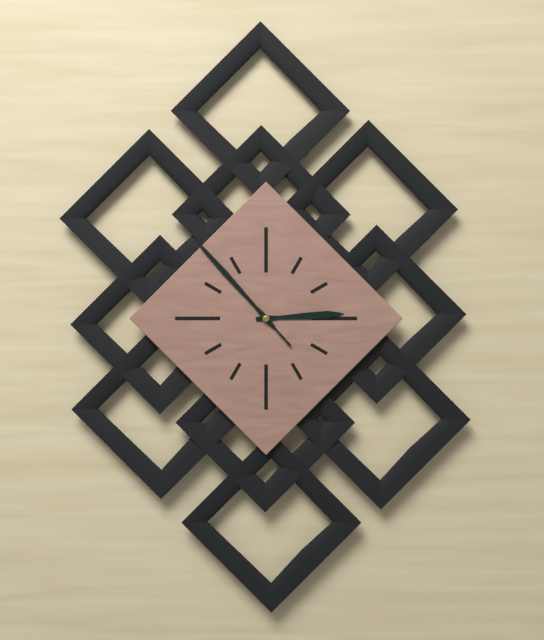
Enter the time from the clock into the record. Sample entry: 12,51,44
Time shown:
2,53,53
